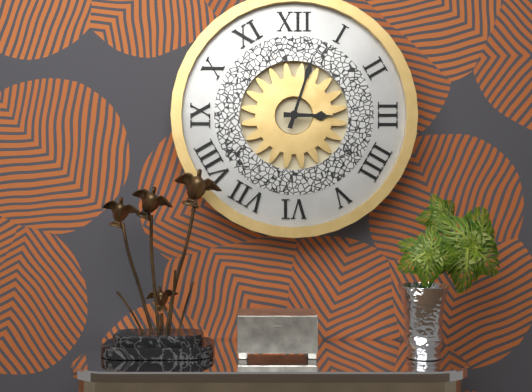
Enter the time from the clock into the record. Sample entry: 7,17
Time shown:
3,03
